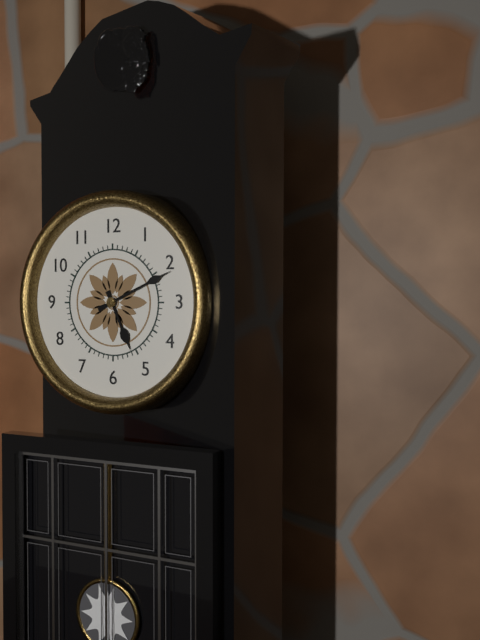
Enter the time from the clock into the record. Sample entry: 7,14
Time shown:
5,11
